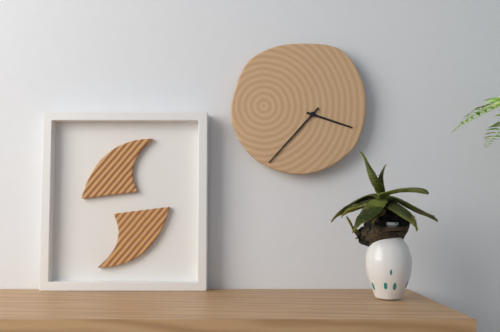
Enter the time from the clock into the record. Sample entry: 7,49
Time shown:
3,37
